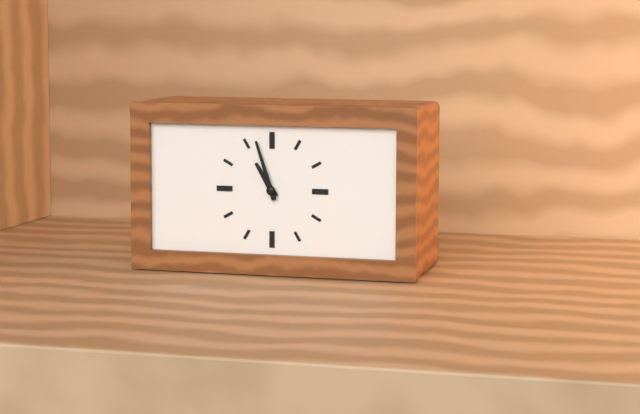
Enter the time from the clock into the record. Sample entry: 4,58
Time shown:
10,57
